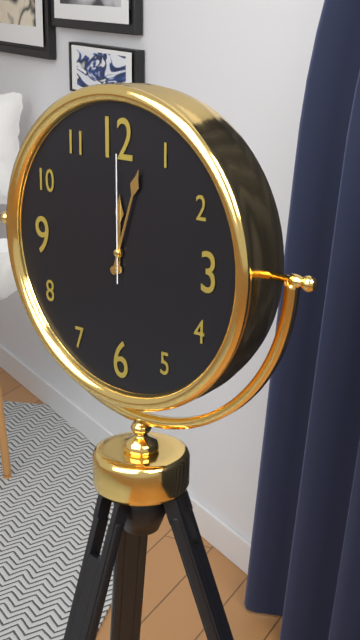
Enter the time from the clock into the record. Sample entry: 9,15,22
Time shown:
12,03,00
